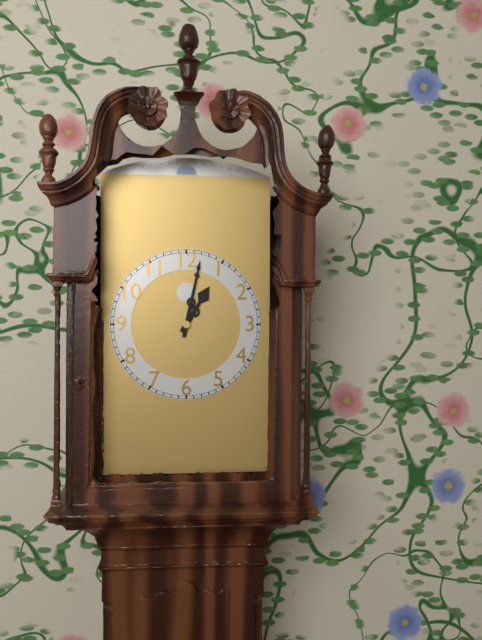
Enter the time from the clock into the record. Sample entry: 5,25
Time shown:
1,02
